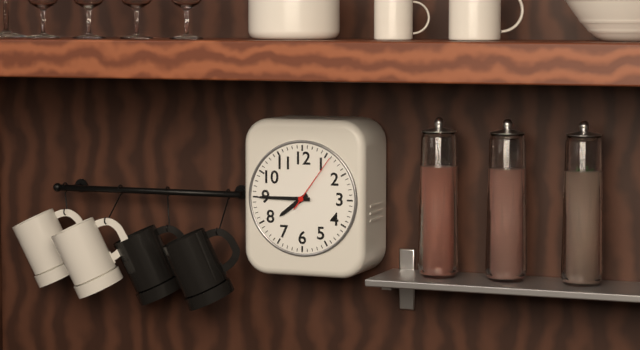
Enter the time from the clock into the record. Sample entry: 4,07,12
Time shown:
7,45,06
